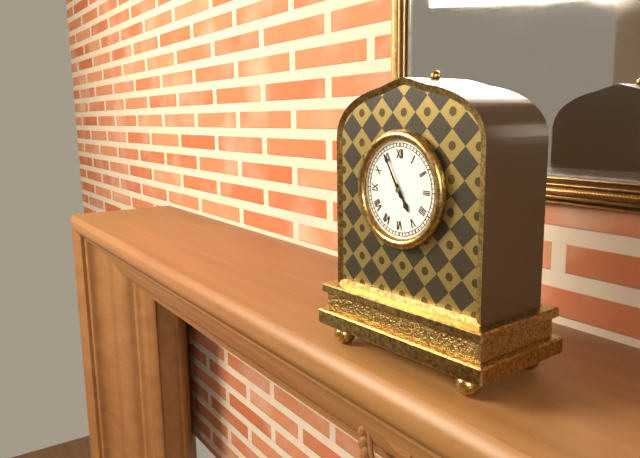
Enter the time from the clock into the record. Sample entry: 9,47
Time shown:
4,55
